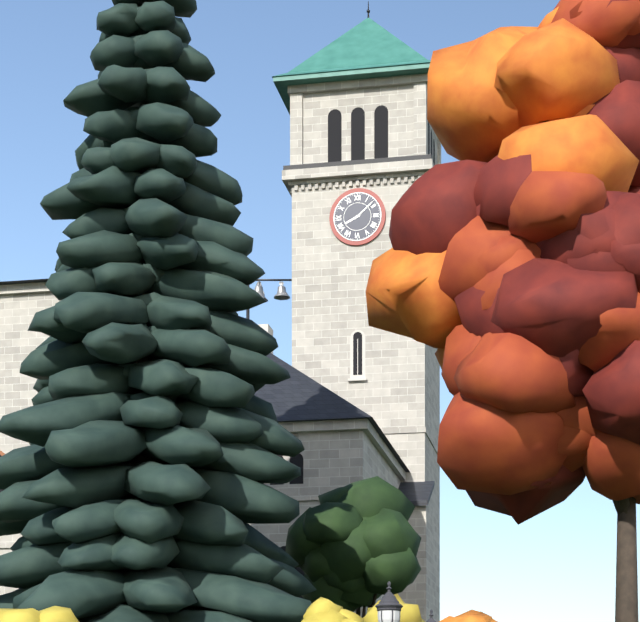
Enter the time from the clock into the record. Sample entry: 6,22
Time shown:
8,08
